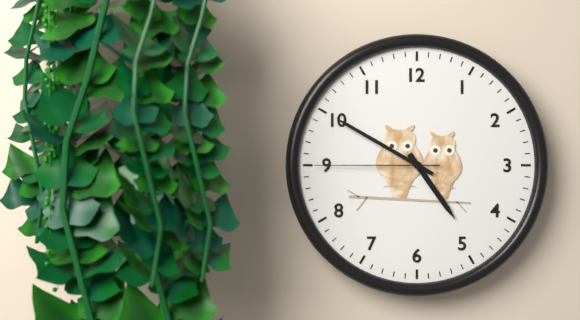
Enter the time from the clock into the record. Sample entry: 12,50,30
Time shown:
4,50,45
